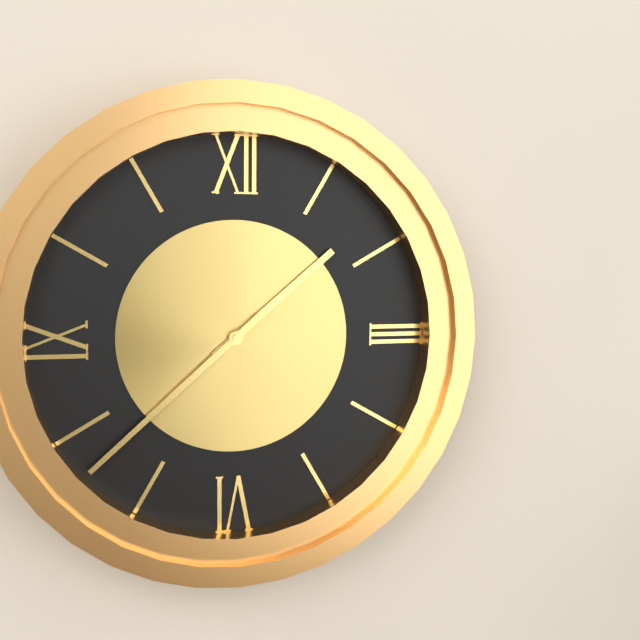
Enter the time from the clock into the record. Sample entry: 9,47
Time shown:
1,38
